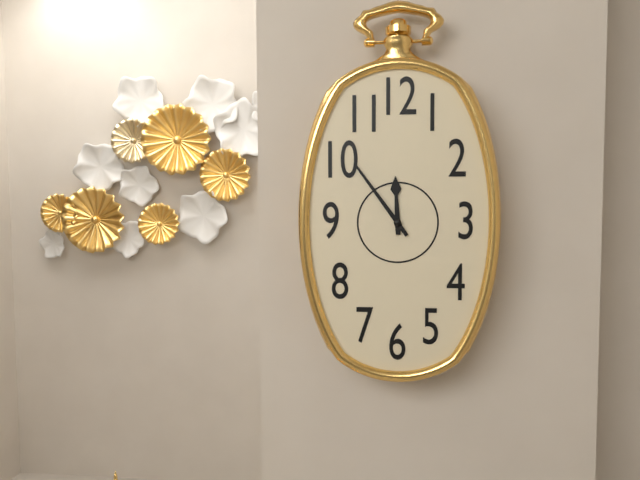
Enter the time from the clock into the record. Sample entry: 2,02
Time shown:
11,54
